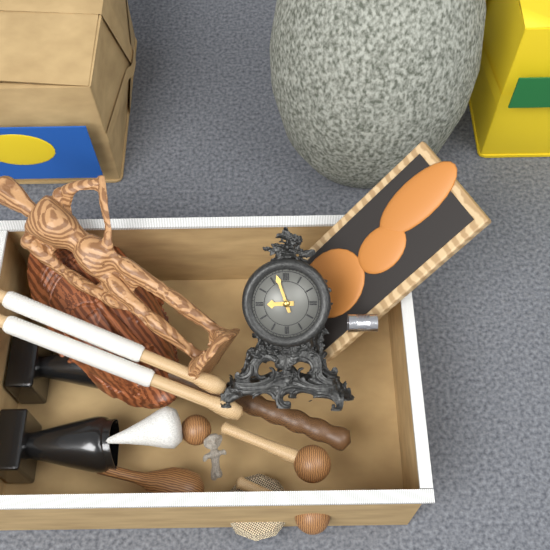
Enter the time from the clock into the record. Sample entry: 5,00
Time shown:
8,57
